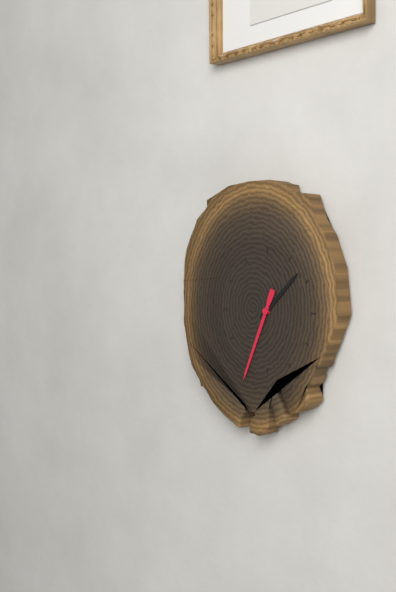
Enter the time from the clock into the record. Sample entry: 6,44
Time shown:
1,34
